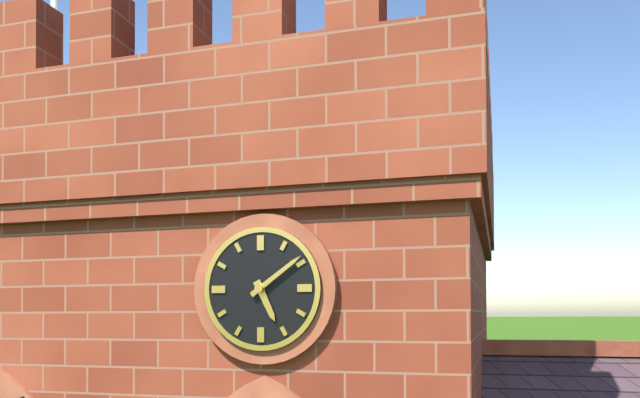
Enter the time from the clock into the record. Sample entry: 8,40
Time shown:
5,09
